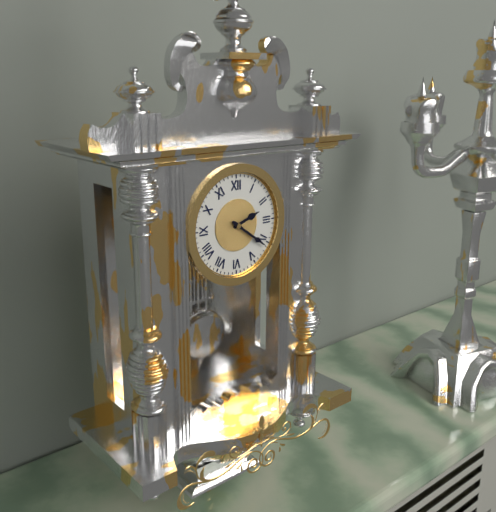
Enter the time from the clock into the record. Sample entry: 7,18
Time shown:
2,21
